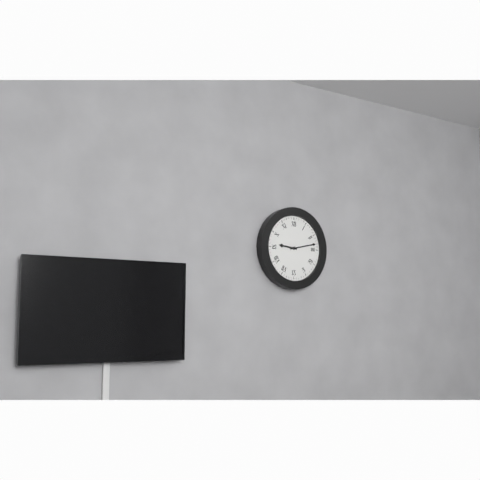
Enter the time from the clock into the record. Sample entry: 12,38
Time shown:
9,13
